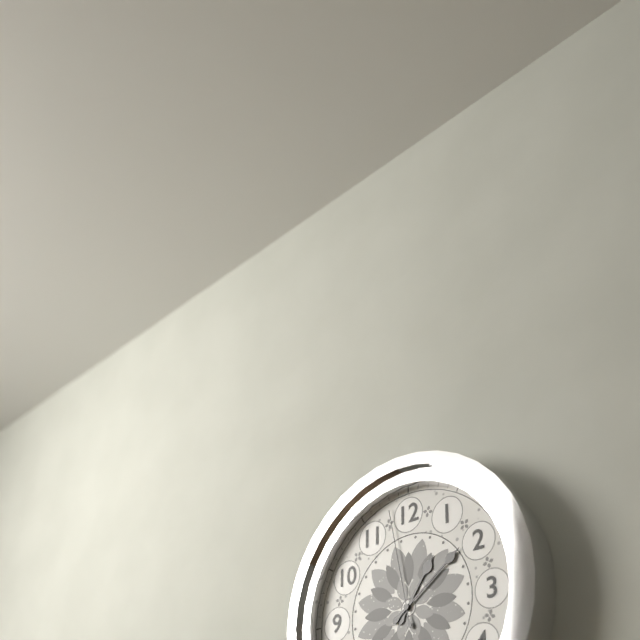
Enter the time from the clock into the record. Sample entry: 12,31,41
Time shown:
1,09,58
